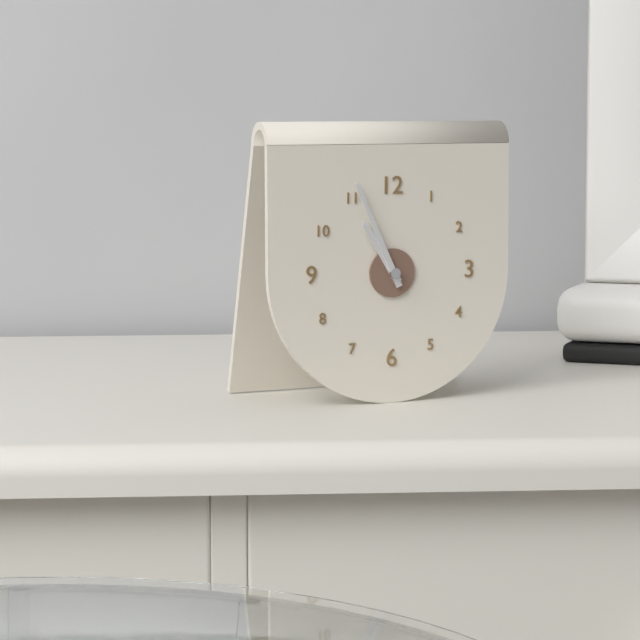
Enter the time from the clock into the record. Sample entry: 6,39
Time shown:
10,56
